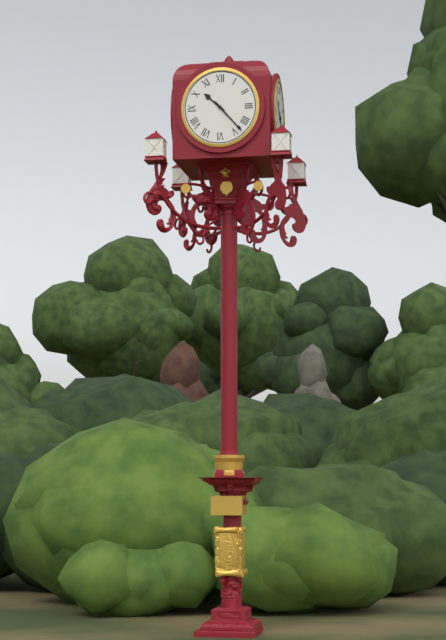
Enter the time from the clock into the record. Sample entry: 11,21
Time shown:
10,23
